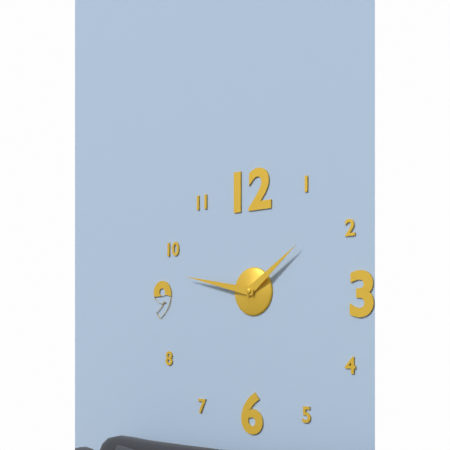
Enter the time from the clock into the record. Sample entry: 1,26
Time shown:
1,47
